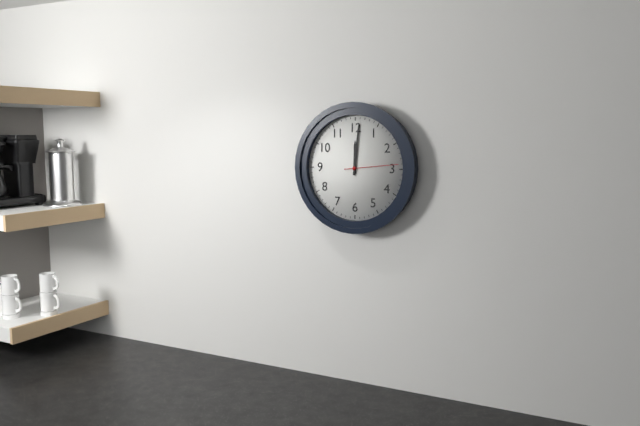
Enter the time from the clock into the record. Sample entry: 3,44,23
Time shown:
12,01,14
